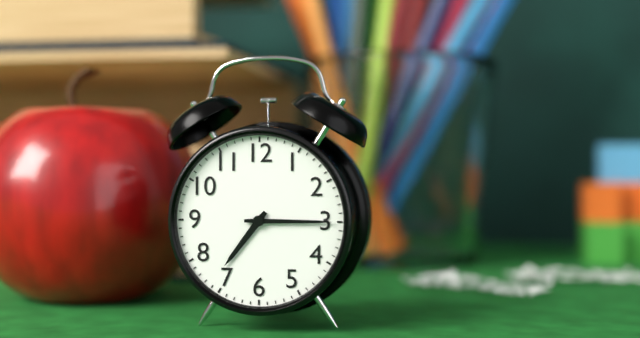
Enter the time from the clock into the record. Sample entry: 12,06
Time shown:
7,15
